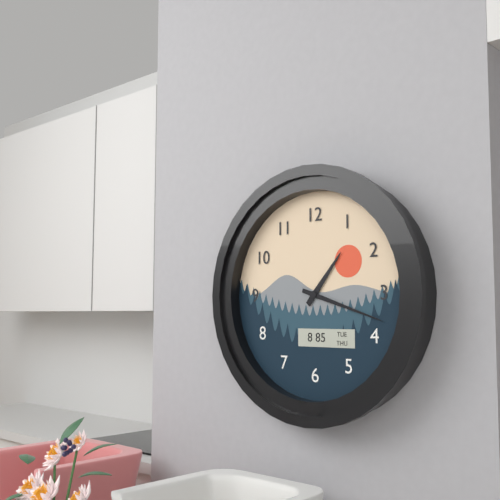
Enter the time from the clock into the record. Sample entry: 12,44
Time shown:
1,18
